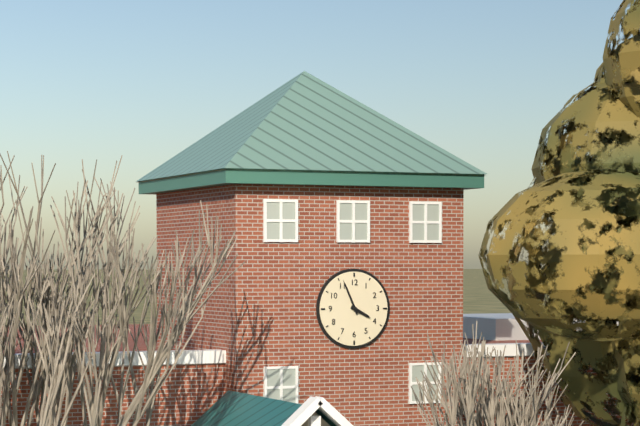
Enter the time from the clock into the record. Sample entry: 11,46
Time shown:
3,56
